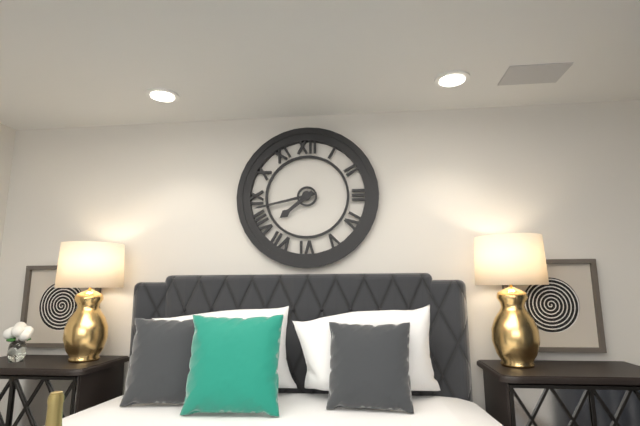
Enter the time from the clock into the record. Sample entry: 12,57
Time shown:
7,43
